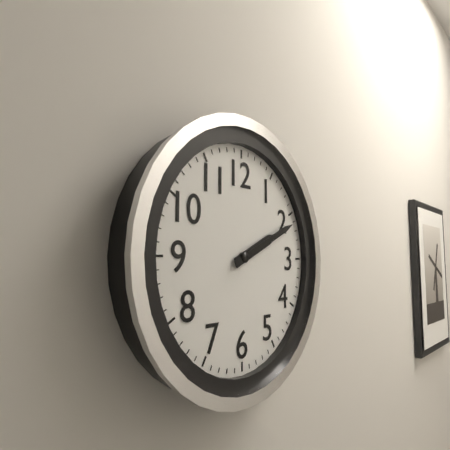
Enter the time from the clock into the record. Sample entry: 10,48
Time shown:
2,11
